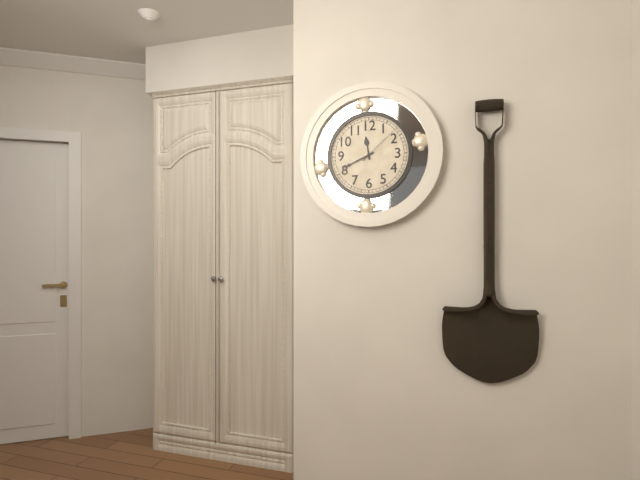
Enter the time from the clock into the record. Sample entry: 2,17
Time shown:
11,41
